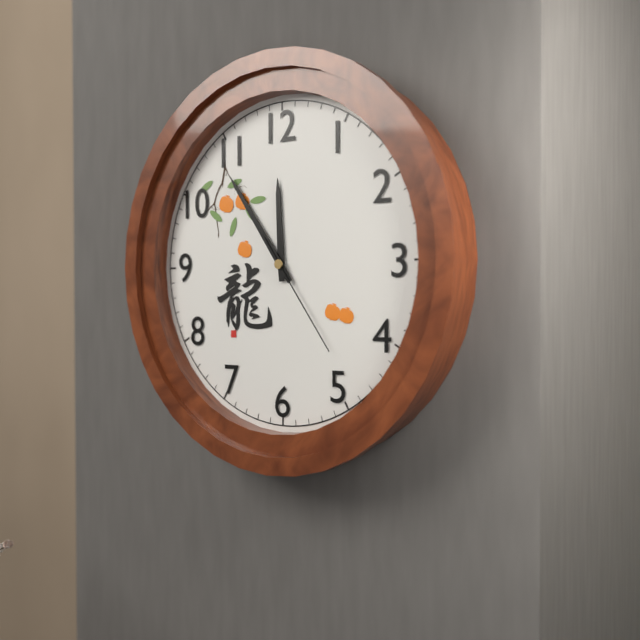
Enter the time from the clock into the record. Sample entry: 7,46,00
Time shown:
11,54,24
